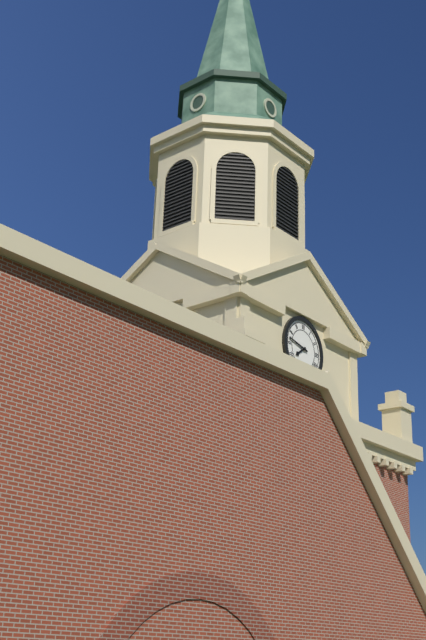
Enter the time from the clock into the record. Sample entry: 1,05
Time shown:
7,47
